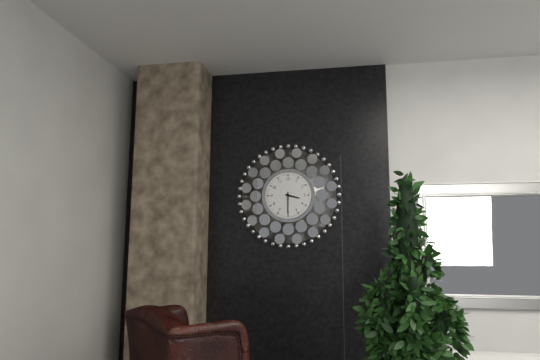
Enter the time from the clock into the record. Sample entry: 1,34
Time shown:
3,30
